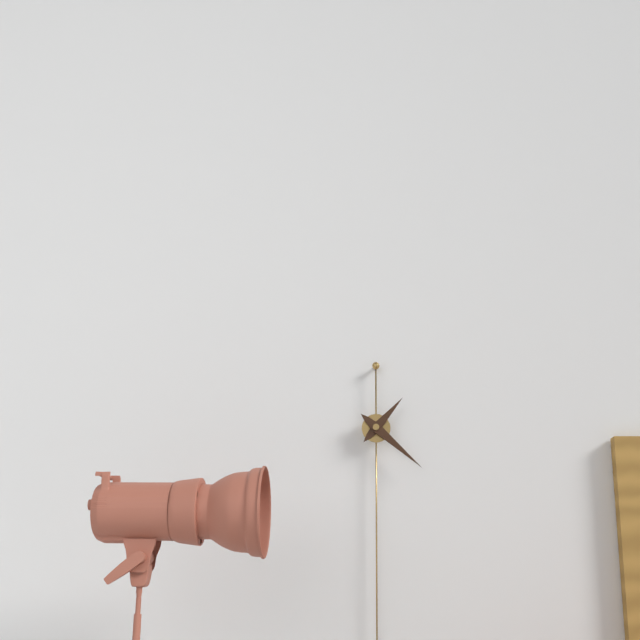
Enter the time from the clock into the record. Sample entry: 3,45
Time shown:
1,22
